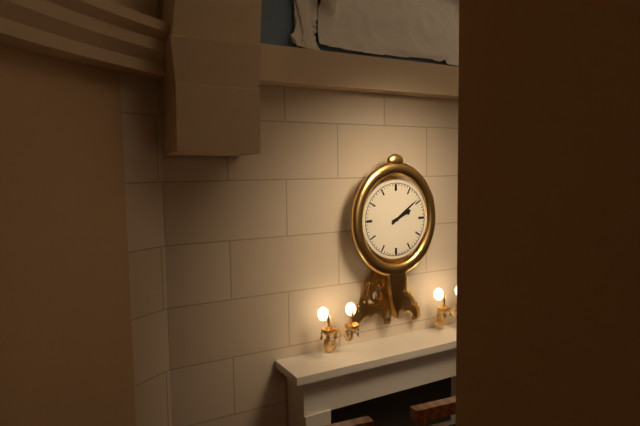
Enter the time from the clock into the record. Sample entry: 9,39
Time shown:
2,09
